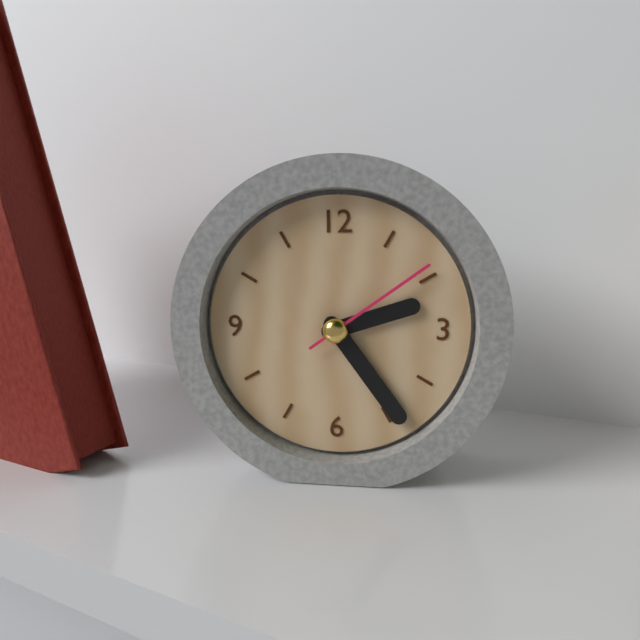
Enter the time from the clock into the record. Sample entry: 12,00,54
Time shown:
2,24,09
